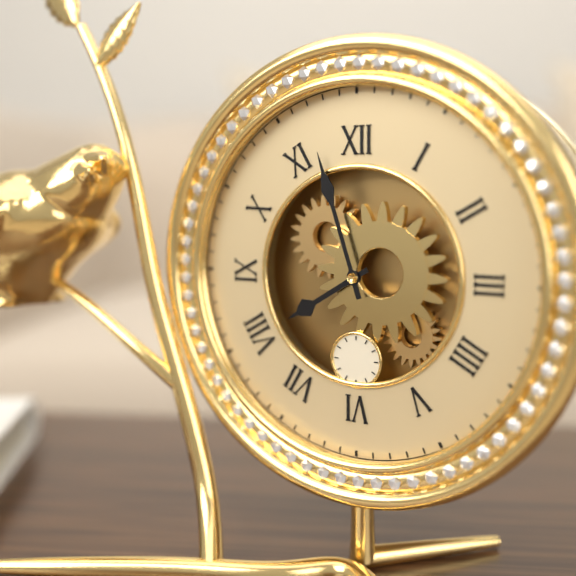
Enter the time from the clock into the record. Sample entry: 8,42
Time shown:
7,57
